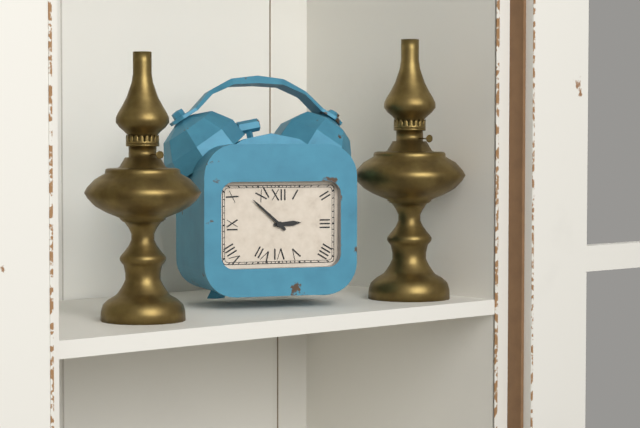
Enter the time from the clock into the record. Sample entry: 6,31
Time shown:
2,52
